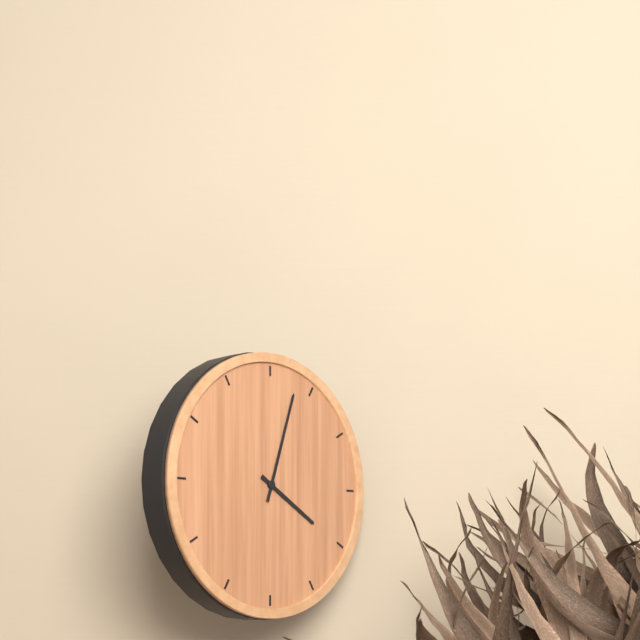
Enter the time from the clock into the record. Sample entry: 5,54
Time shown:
4,03
